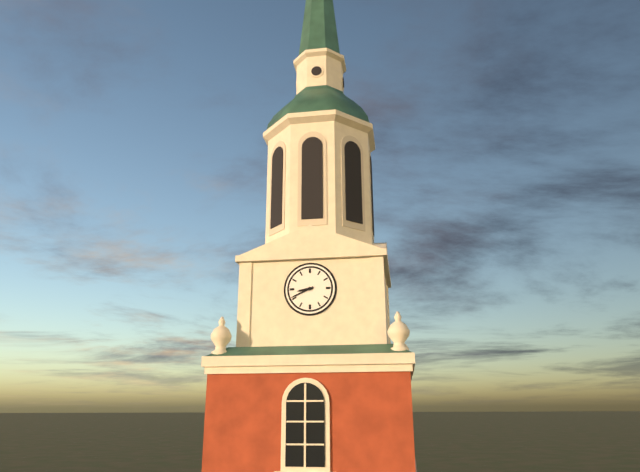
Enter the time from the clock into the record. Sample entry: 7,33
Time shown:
8,41
